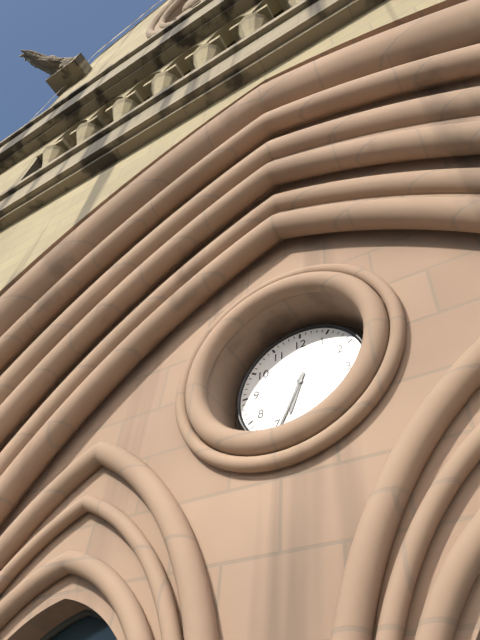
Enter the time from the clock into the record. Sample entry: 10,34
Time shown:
6,34
